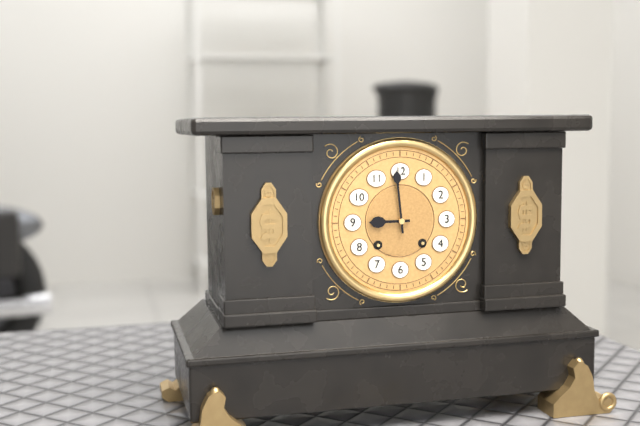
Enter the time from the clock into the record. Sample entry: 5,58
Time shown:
8,59
